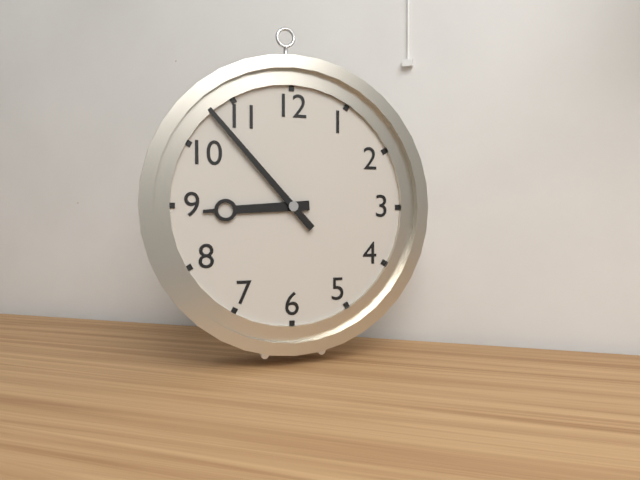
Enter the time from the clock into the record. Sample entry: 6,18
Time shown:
8,53
